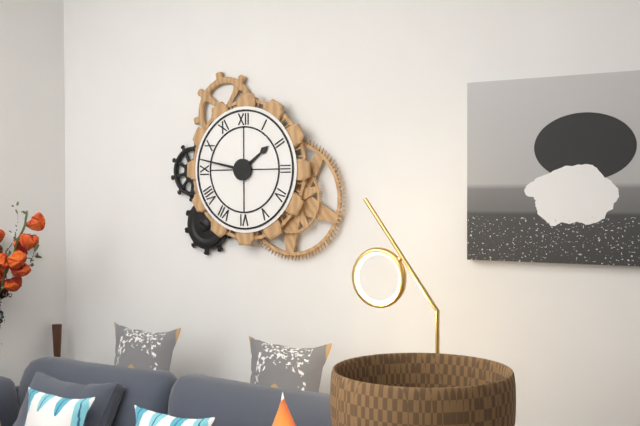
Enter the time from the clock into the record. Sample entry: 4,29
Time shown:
1,47
